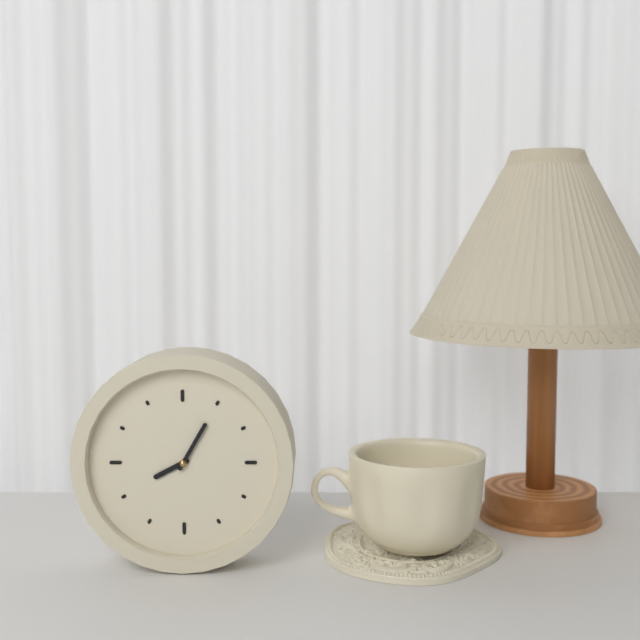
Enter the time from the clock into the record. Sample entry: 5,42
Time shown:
8,05
